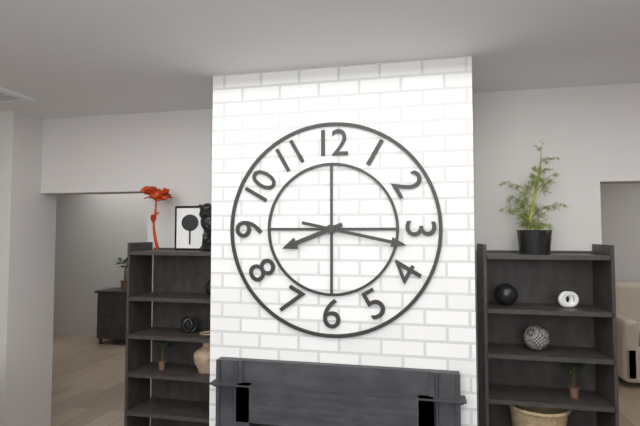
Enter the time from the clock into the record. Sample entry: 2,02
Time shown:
8,17
